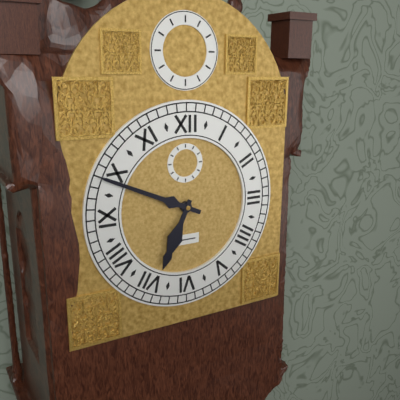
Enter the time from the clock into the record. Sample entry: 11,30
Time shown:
6,49
